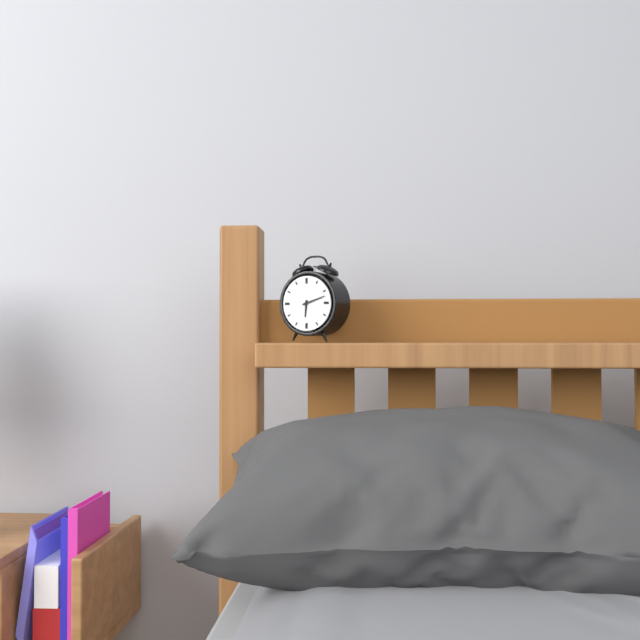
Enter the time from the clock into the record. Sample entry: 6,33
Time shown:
6,12
